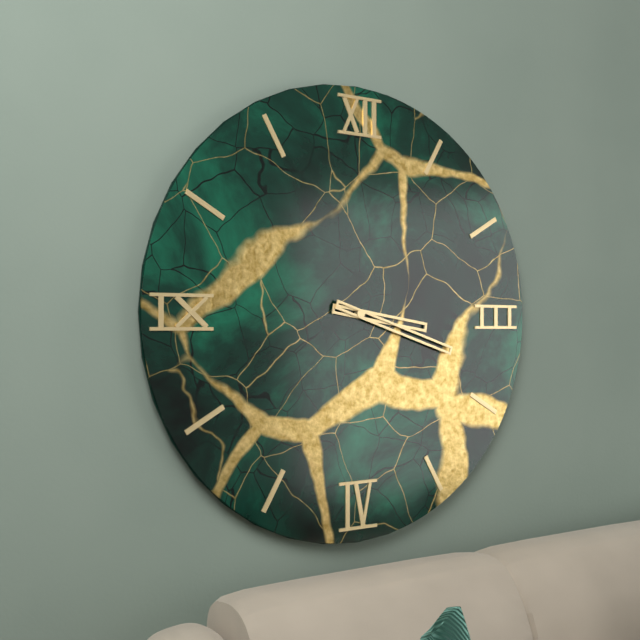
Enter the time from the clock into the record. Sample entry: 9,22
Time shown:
3,18
